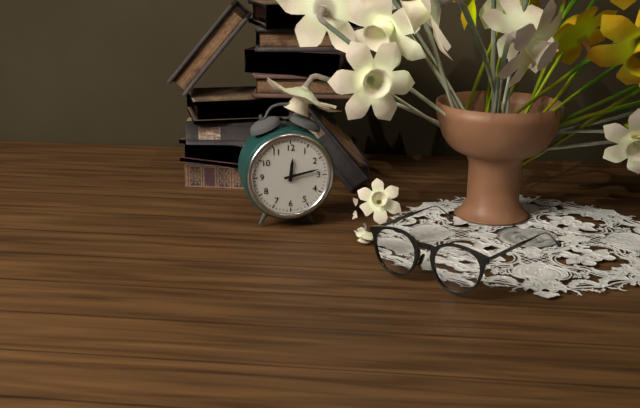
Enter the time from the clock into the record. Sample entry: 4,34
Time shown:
12,13
